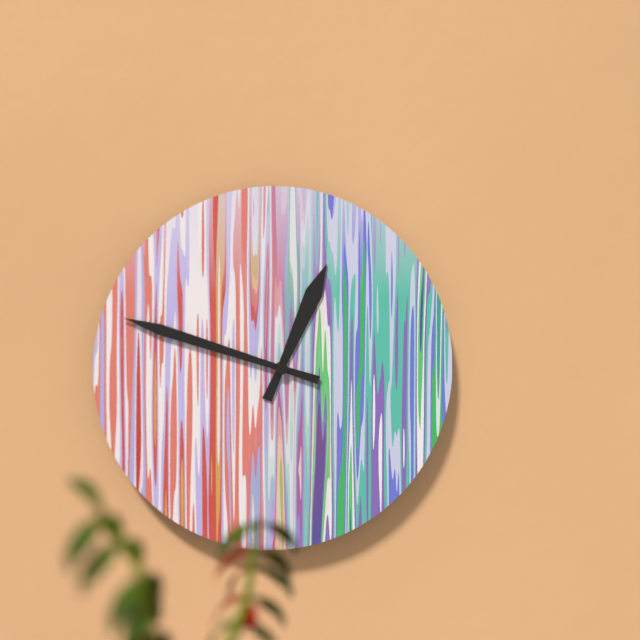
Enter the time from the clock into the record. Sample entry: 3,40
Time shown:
12,48
